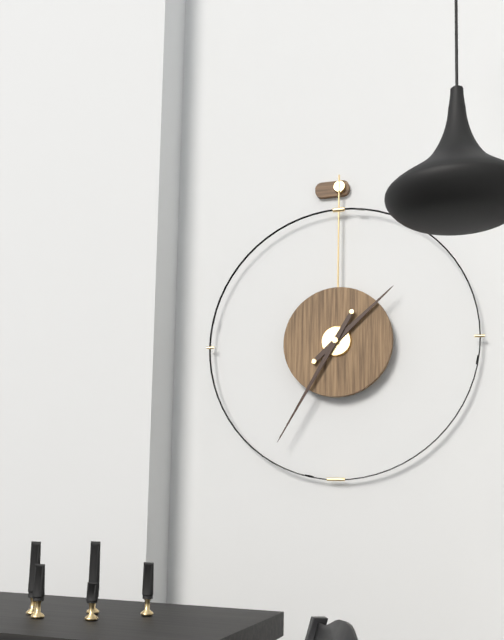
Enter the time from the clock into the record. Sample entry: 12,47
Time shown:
1,35
